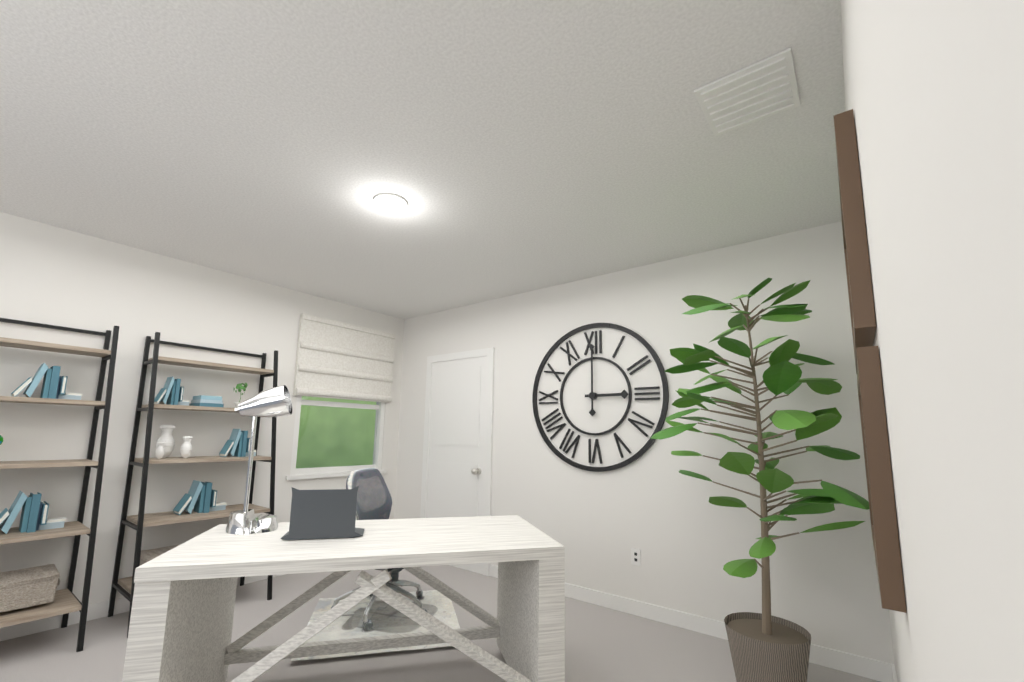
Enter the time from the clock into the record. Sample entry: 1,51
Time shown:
3,00
